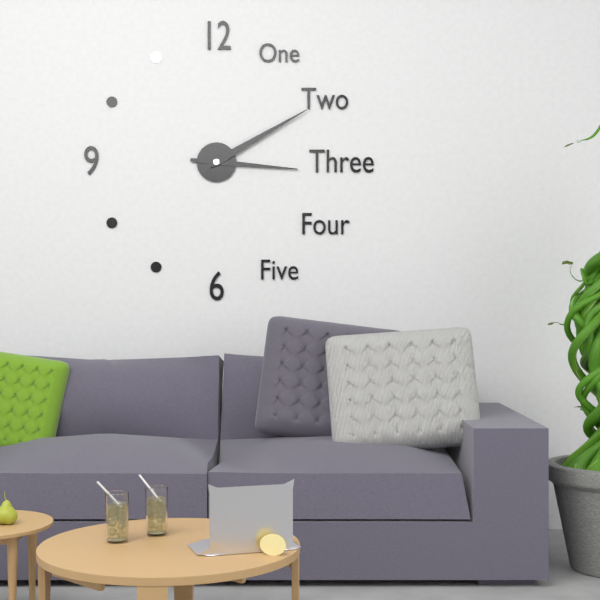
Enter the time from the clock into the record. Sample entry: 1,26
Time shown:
3,10
